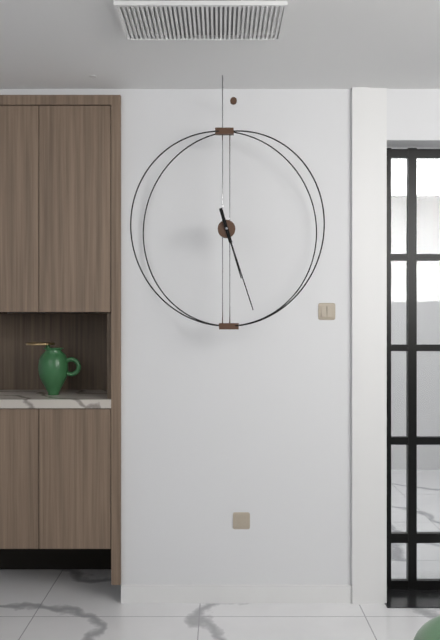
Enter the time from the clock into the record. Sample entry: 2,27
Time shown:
5,27
